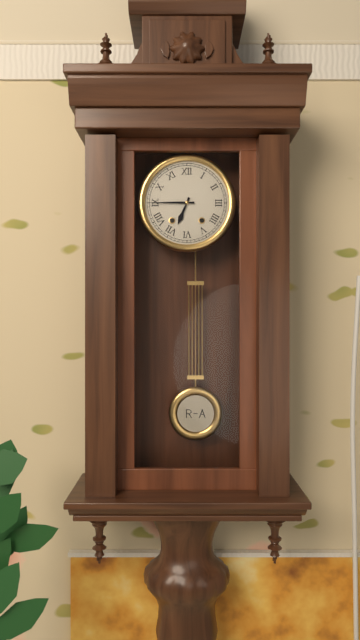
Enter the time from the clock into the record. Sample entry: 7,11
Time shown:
6,45
